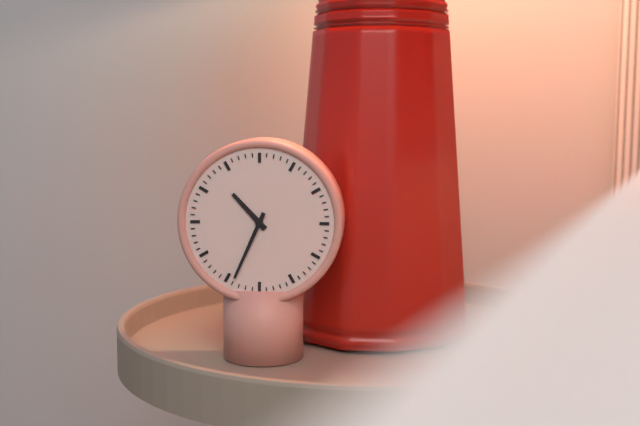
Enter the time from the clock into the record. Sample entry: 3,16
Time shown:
10,34
